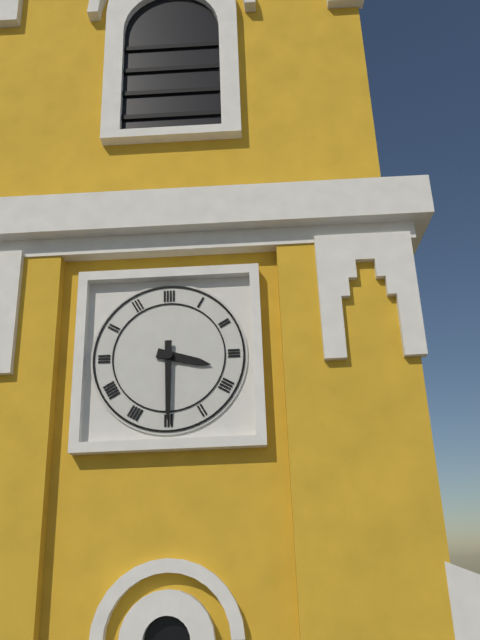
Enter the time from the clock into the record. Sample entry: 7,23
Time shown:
3,30
